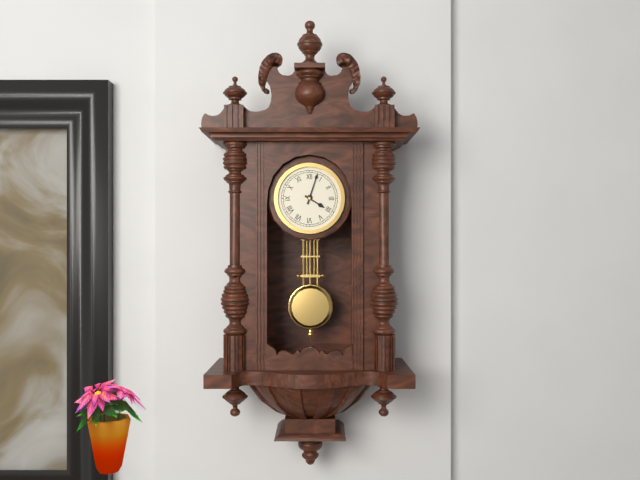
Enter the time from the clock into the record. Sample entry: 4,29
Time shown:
4,03
